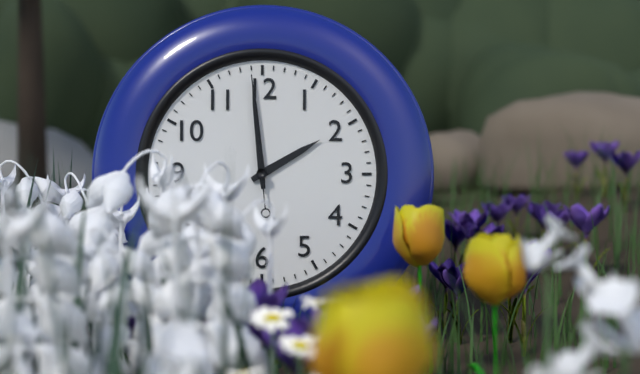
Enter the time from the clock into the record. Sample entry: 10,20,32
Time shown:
1,59,59
